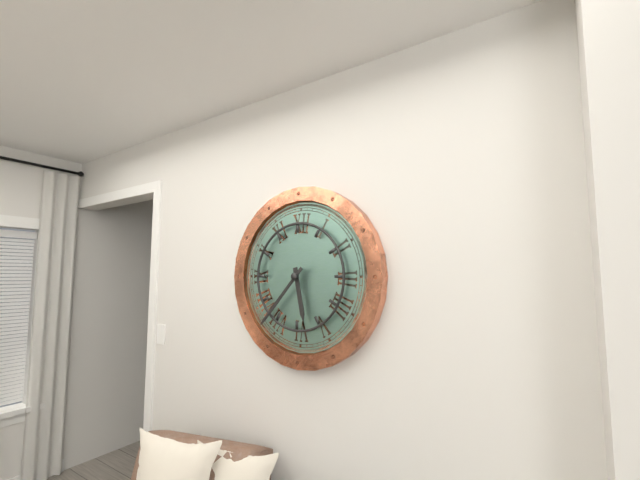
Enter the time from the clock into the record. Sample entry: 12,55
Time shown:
5,37
